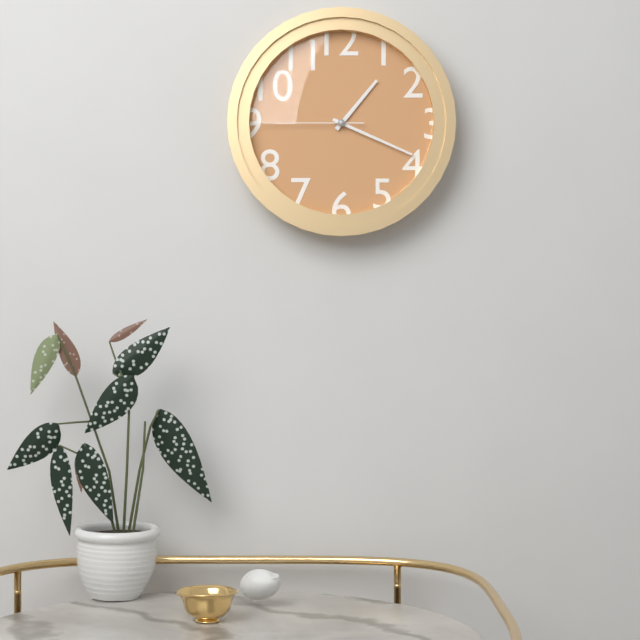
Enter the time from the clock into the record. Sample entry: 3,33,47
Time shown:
1,19,45
